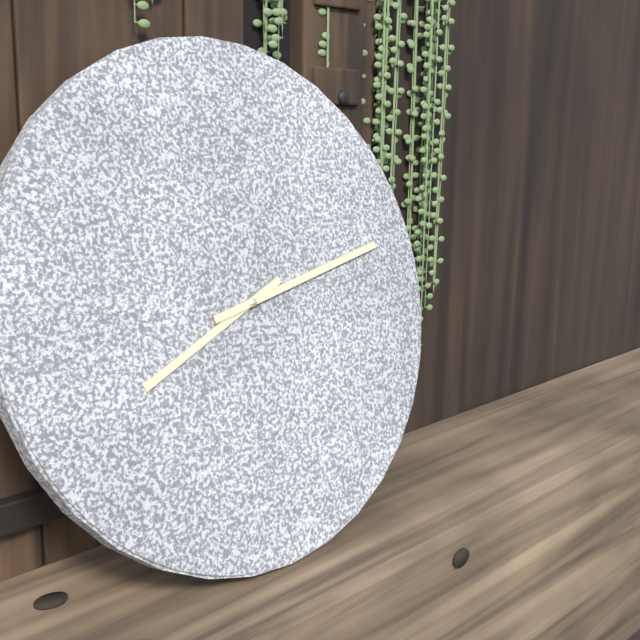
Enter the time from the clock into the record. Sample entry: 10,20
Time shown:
8,13
